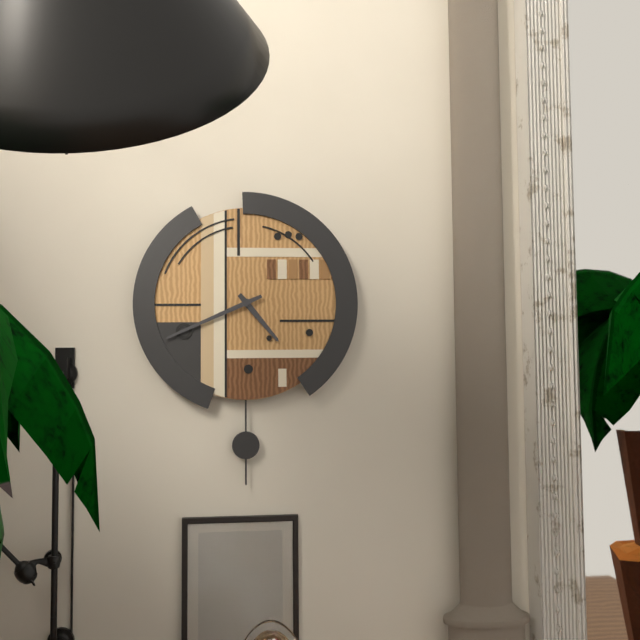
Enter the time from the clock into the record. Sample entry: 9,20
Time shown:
4,41
